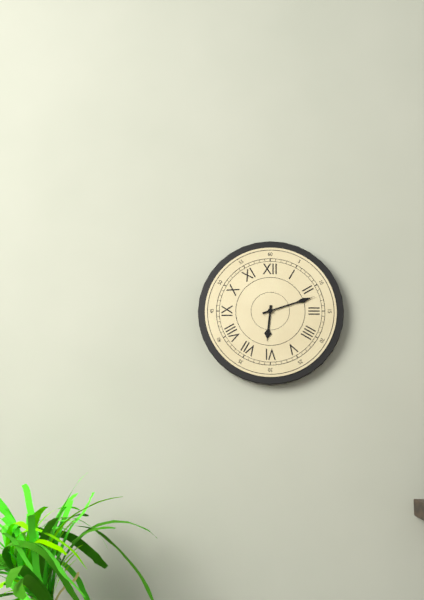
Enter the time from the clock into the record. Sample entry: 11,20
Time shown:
6,12
